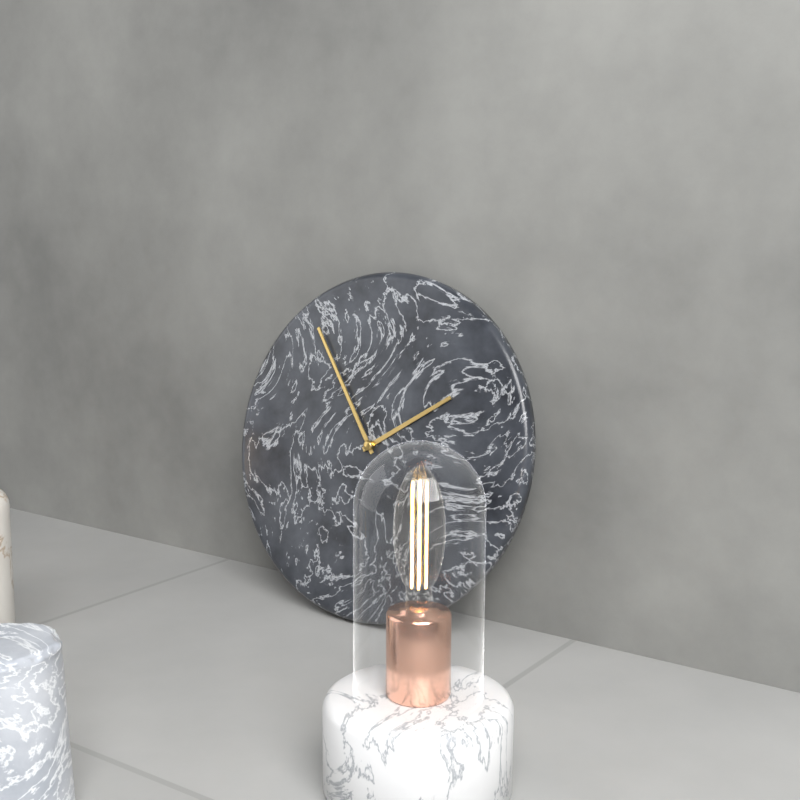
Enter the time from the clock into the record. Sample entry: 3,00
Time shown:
1,54
